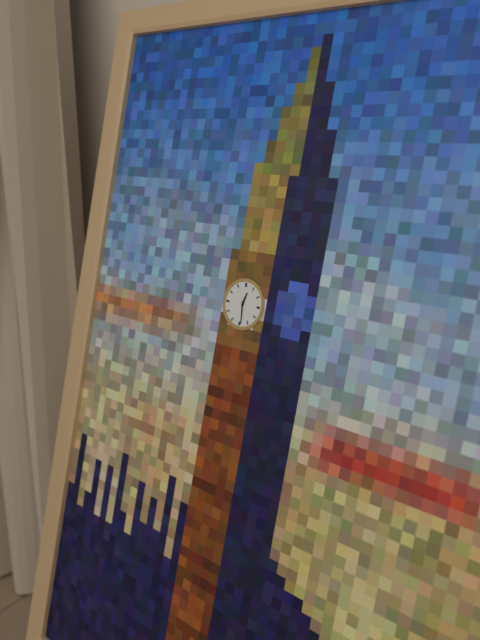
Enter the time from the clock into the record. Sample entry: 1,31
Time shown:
12,29
